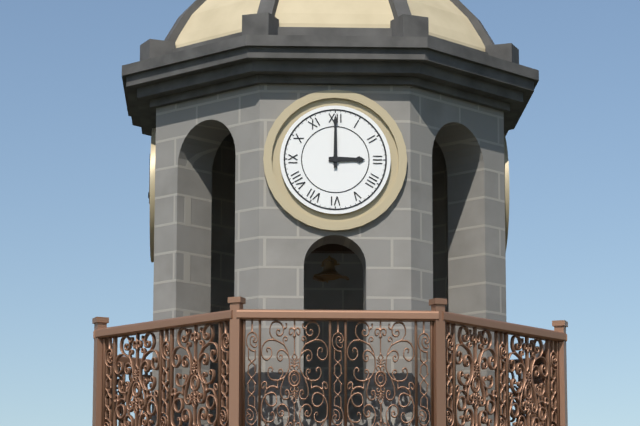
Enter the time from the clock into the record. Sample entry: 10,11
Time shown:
3,00
